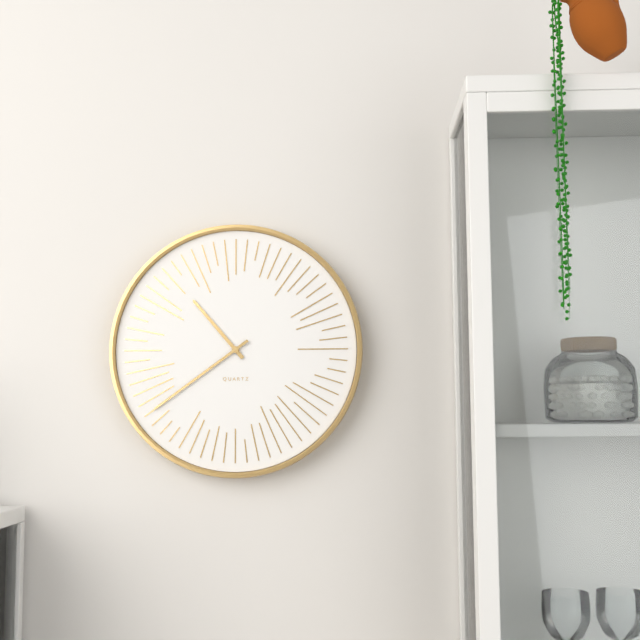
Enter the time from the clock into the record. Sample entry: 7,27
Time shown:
10,39
